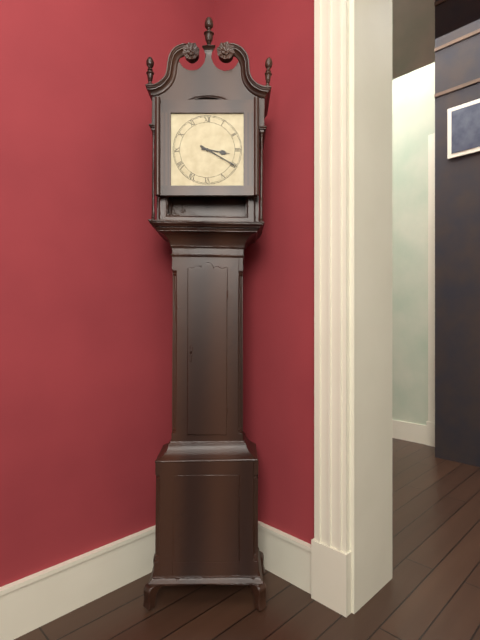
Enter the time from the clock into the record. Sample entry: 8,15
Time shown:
3,20
